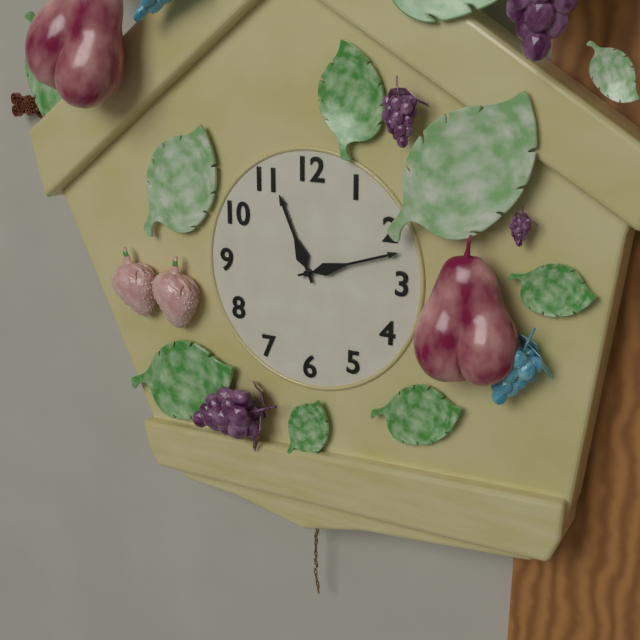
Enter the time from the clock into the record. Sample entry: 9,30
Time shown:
11,12
